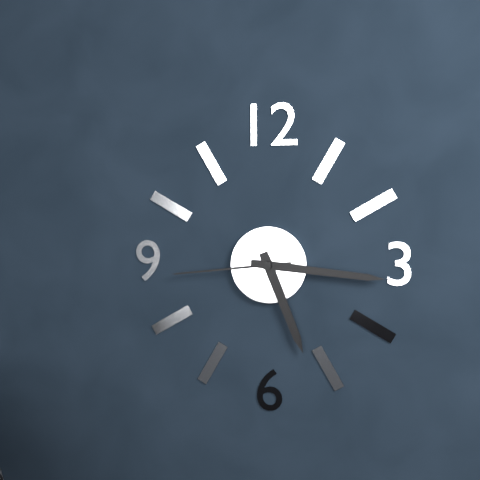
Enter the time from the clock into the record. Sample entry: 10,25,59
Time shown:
5,16,44
